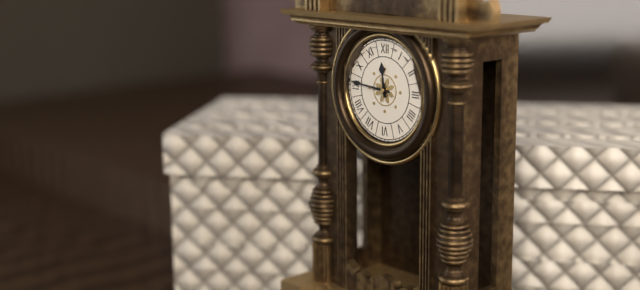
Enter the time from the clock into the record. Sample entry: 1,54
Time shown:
11,46
